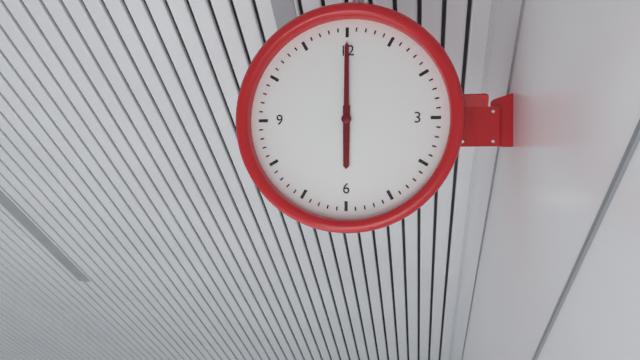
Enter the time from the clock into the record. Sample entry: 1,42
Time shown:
6,00
